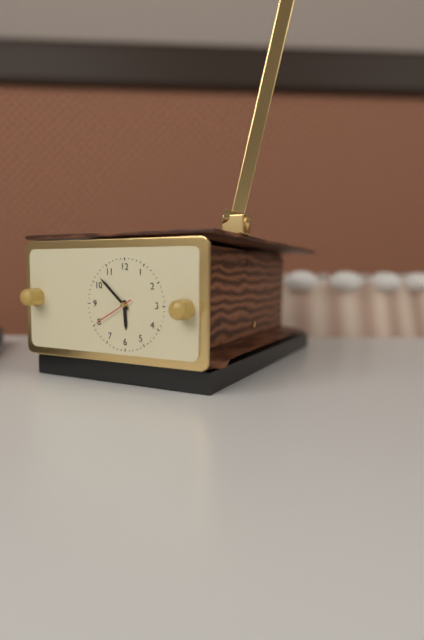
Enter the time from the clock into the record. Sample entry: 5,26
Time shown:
5,52
